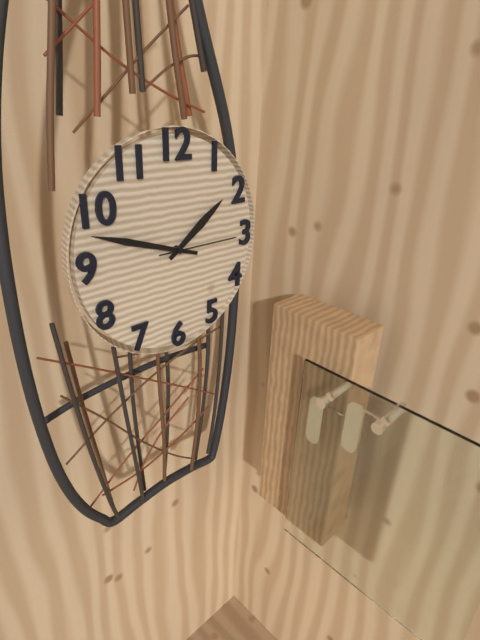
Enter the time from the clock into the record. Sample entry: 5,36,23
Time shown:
1,48,15
